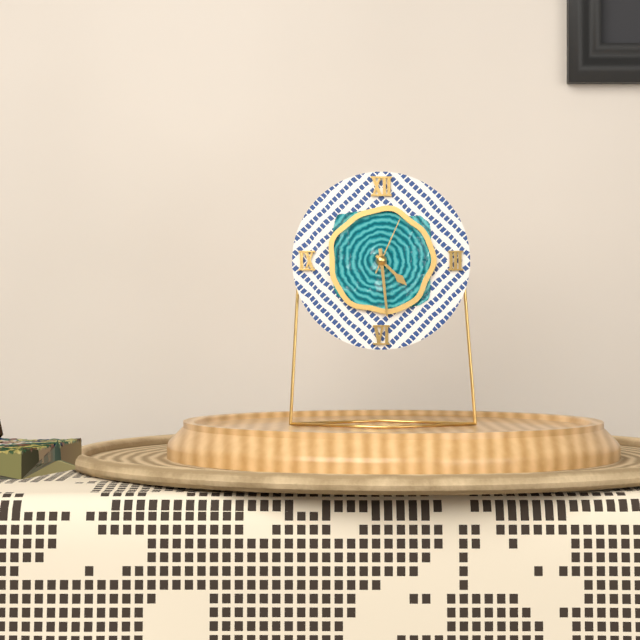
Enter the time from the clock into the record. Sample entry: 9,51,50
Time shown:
4,29,04
